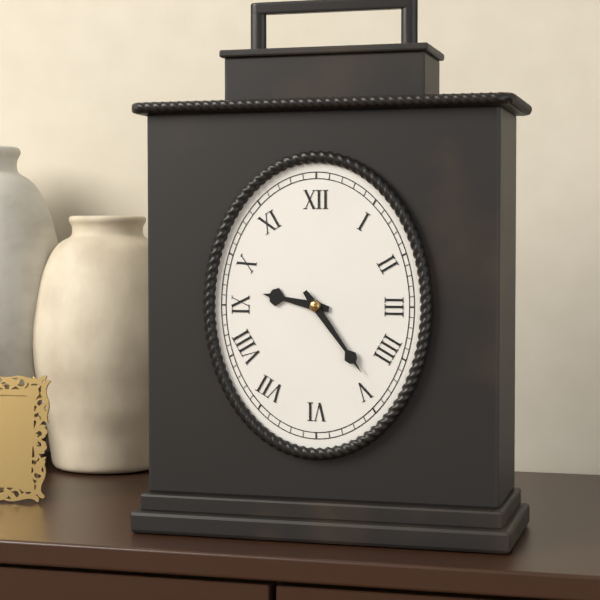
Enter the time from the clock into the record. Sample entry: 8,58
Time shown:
9,24
